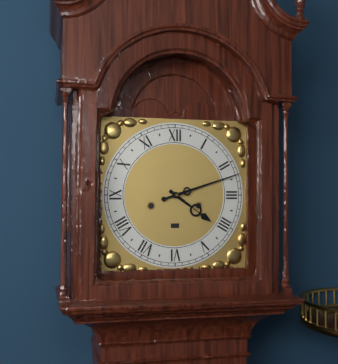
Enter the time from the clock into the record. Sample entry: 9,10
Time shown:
4,12
